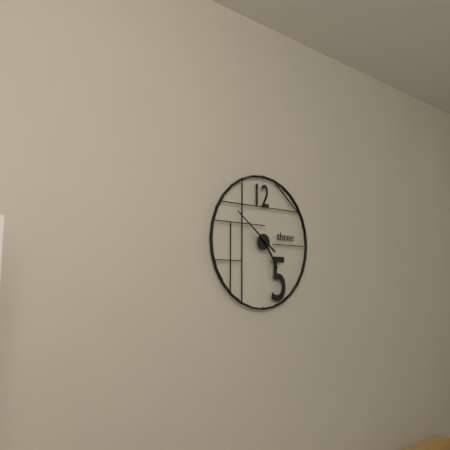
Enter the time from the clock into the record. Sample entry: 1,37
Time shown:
4,51
